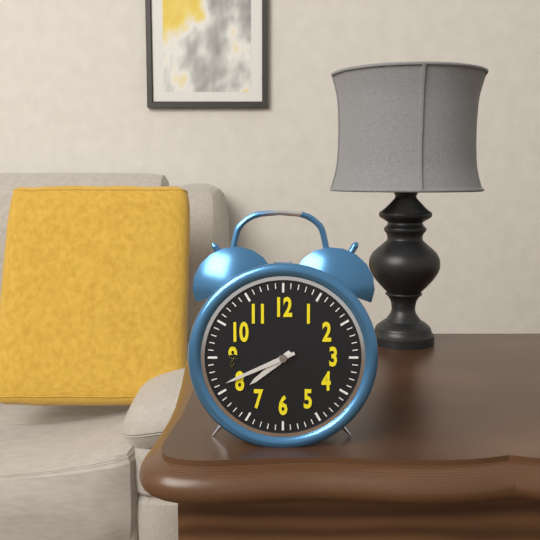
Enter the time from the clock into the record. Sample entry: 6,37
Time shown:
7,41
